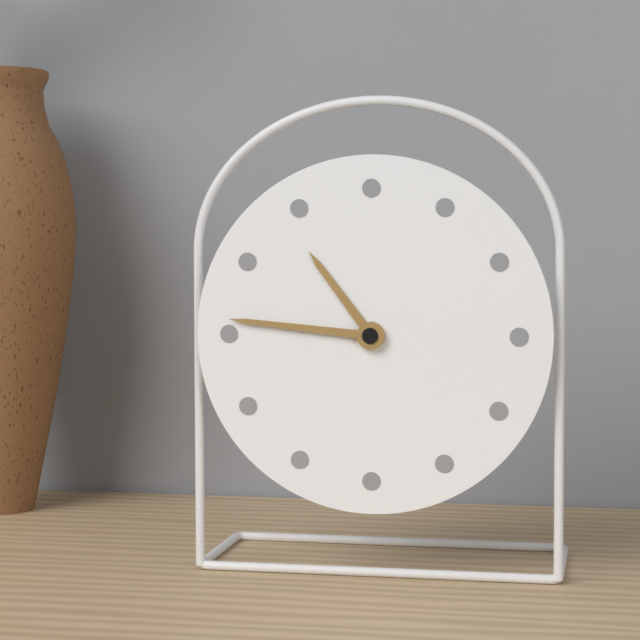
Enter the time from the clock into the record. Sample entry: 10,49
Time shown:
10,46
